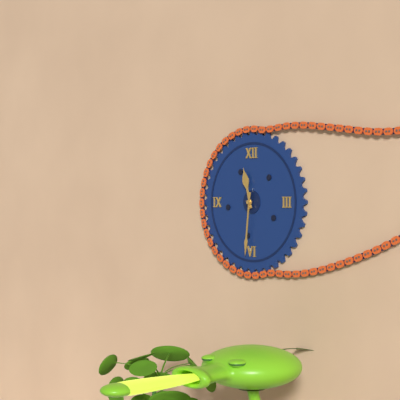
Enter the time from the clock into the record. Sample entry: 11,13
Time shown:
11,31
